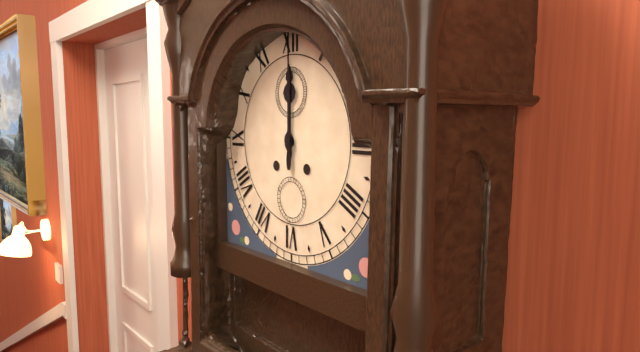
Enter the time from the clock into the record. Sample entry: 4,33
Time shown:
12,00
